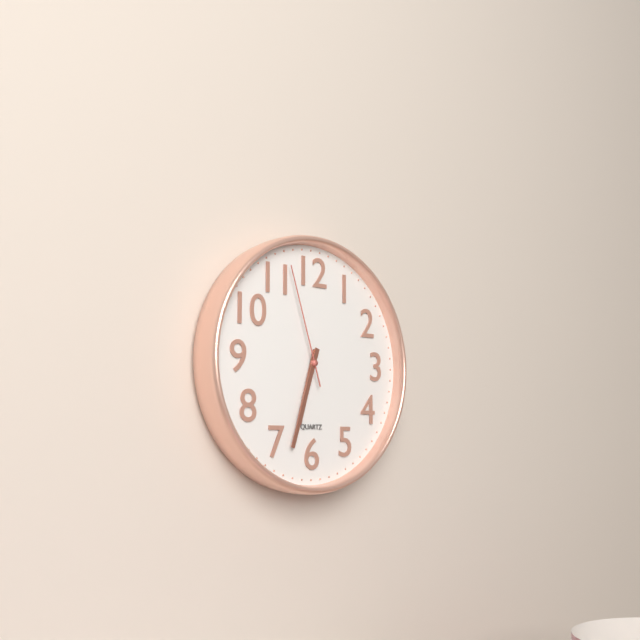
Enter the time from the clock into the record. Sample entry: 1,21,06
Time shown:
6,33,57
